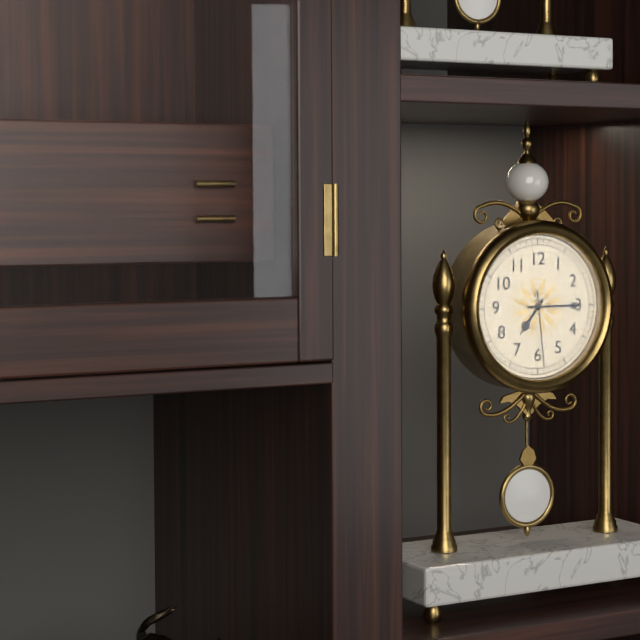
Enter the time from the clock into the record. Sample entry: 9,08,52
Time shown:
7,15,29
